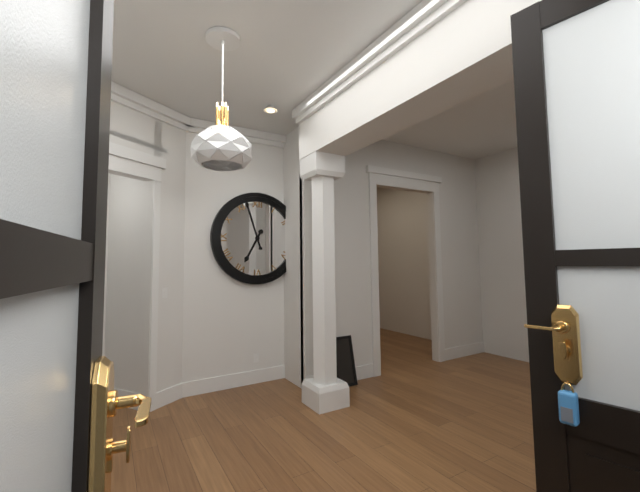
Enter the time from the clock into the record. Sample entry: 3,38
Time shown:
6,57
